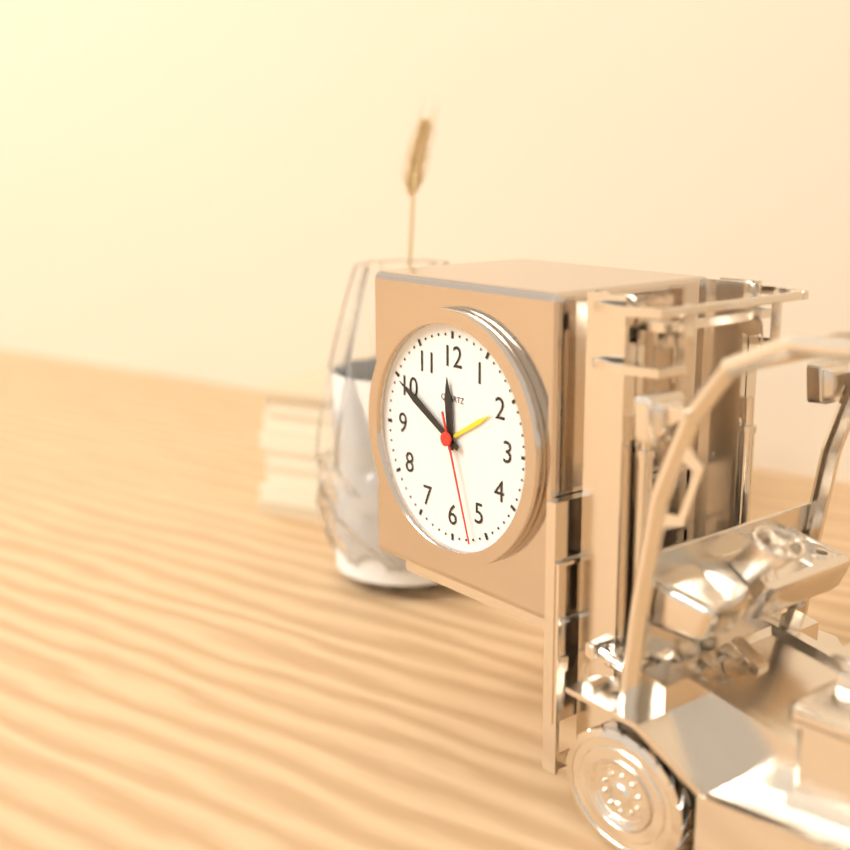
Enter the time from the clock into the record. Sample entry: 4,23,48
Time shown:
11,50,27
